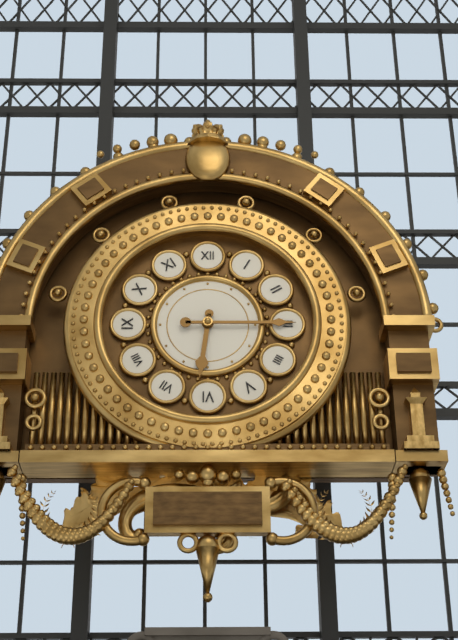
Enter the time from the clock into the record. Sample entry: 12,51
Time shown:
6,15
